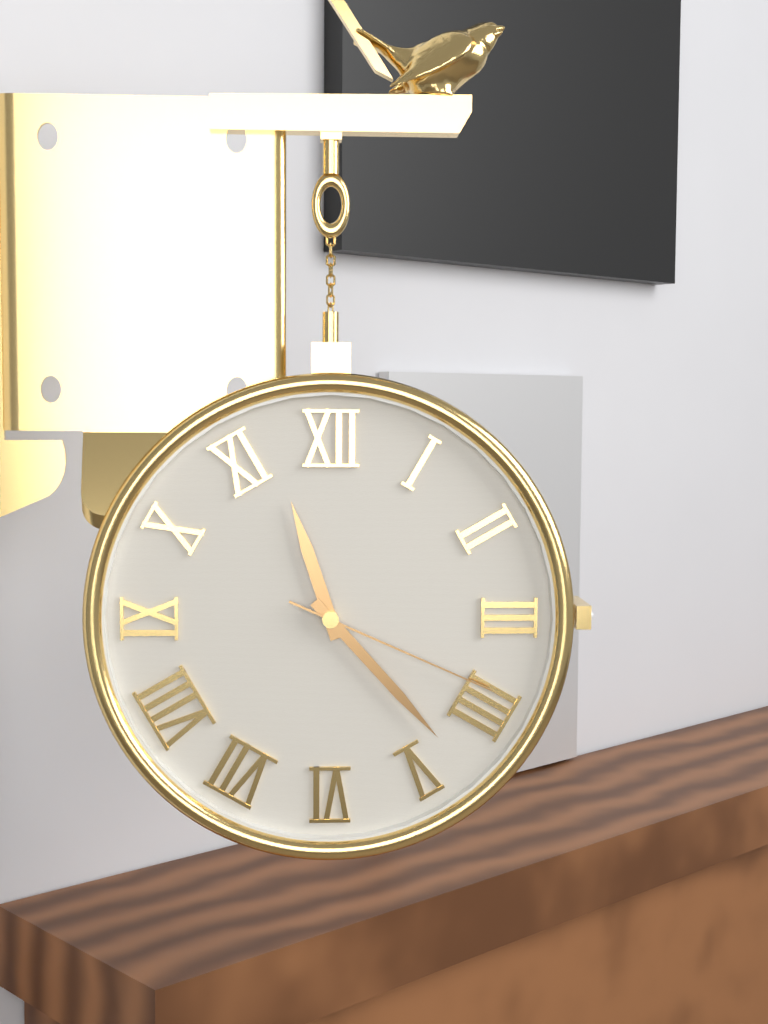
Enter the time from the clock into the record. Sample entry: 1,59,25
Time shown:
11,23,19
